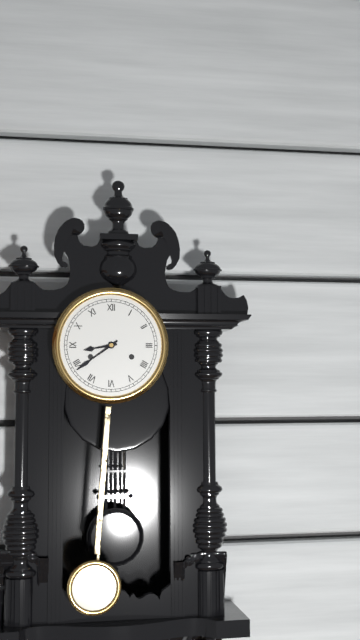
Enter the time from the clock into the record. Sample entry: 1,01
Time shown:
8,39
